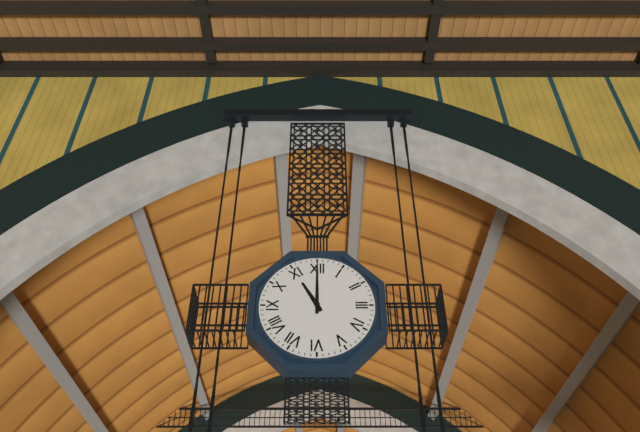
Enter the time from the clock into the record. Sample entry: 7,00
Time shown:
11,00
